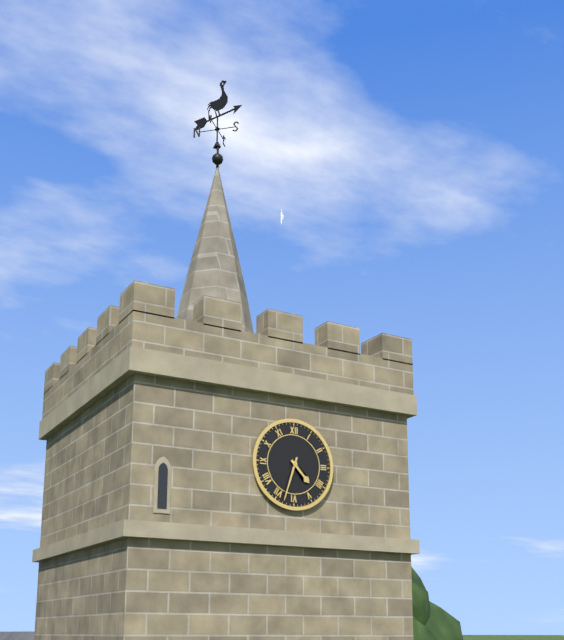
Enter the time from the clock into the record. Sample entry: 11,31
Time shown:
4,33
